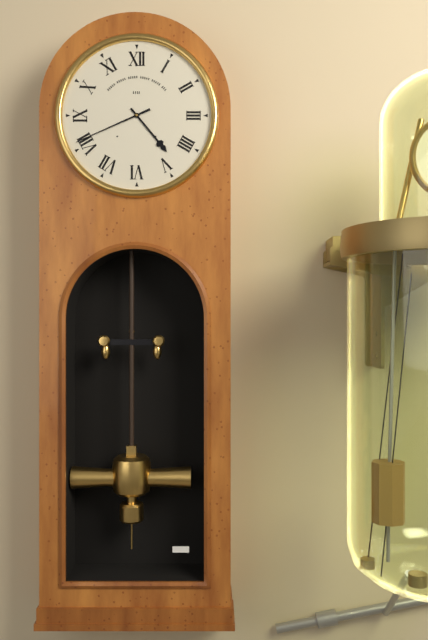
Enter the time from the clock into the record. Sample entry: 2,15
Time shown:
4,41
